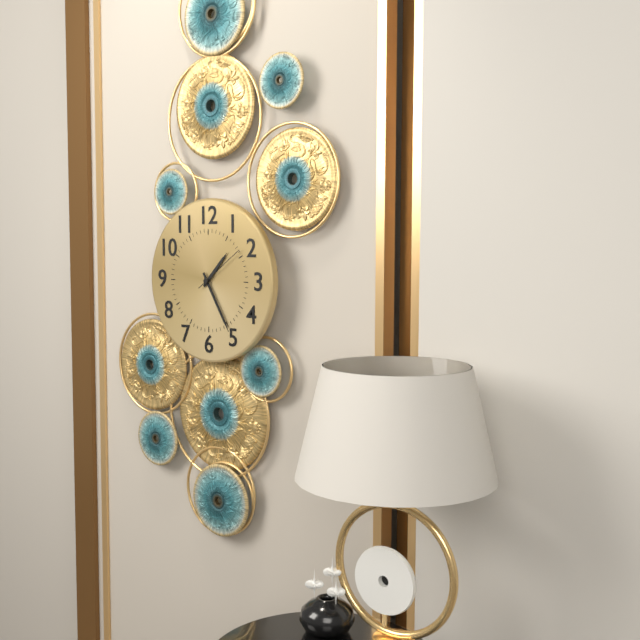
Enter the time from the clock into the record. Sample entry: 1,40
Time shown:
1,25
